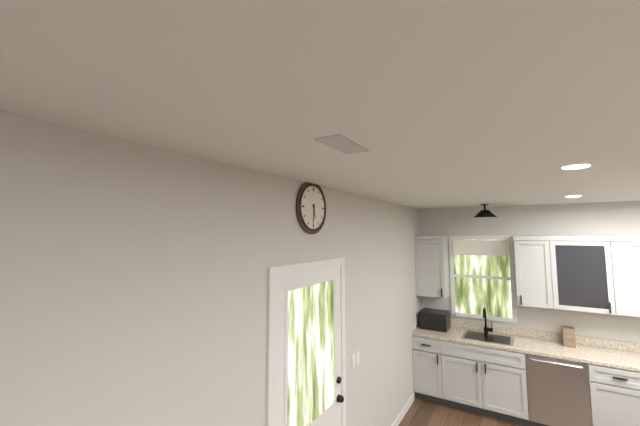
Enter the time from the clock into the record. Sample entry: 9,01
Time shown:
5,31
